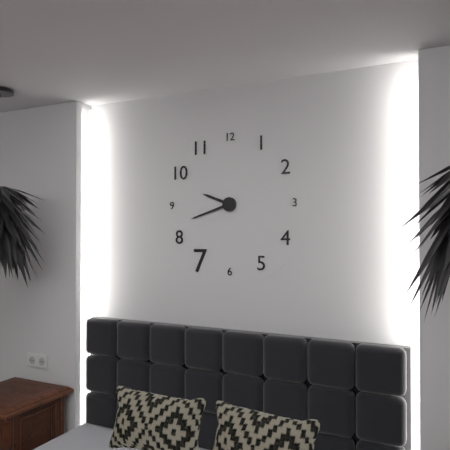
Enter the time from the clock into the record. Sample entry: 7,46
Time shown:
9,42
